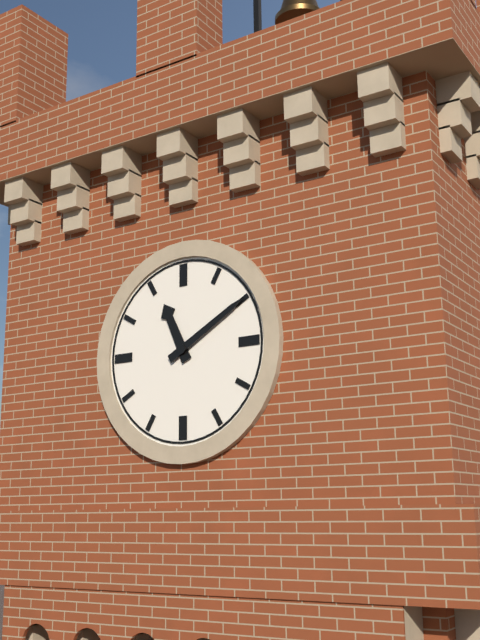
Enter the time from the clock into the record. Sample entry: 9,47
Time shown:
11,10
